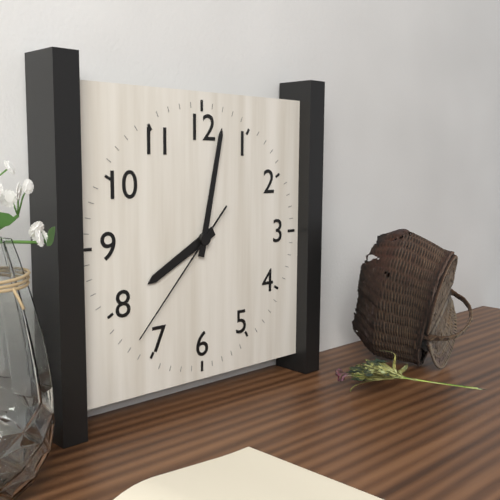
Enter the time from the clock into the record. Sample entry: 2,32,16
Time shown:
8,02,37
